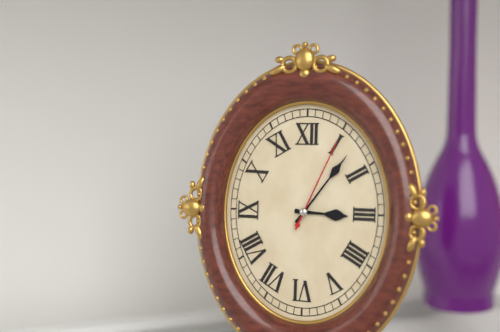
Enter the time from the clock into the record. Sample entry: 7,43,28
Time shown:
3,06,04
